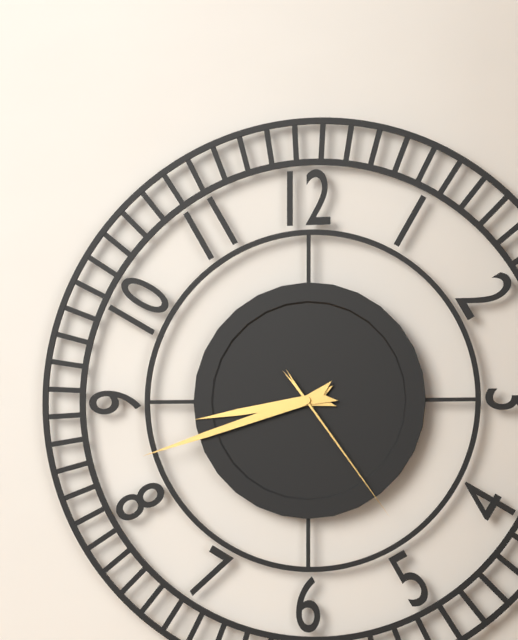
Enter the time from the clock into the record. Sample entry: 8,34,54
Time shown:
8,42,24
